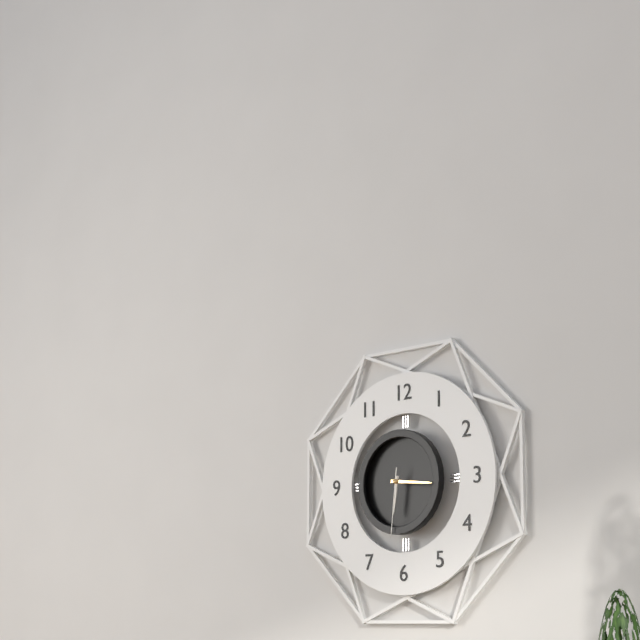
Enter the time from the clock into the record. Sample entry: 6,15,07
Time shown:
6,16,31
